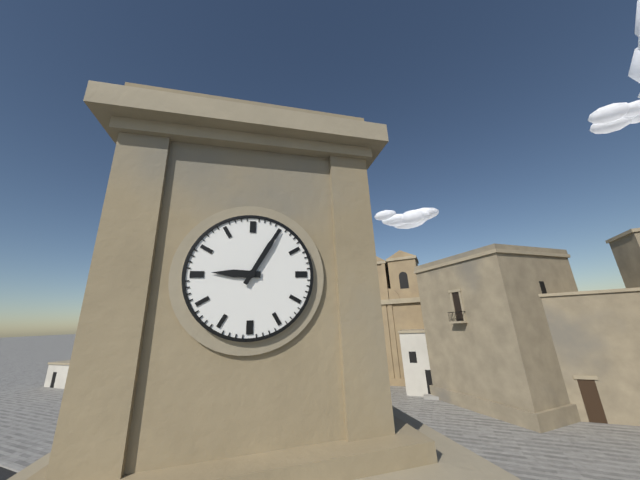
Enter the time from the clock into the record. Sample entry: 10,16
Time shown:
9,05
